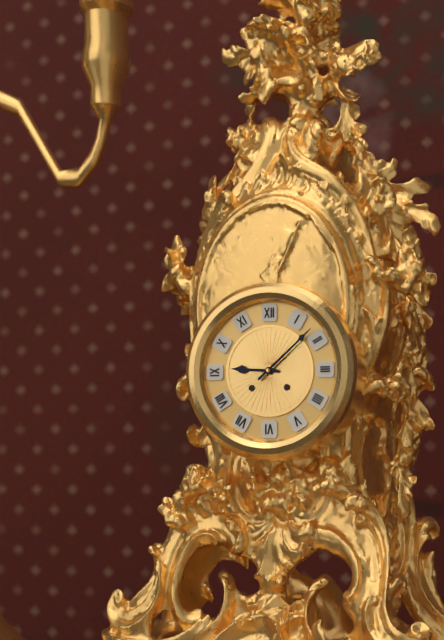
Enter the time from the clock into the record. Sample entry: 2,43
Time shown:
9,08
